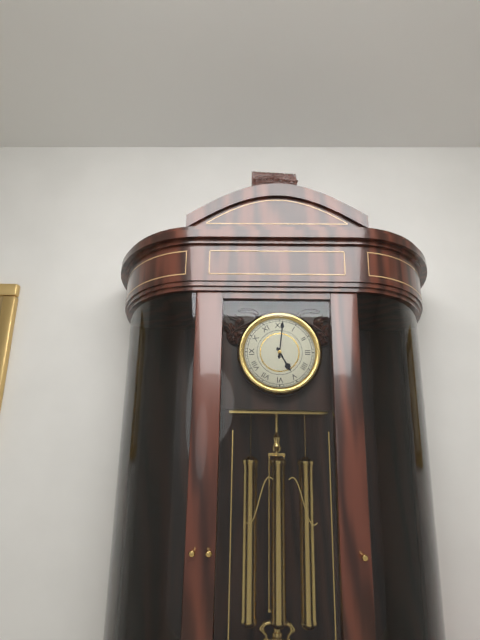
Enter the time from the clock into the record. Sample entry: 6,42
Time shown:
5,01
